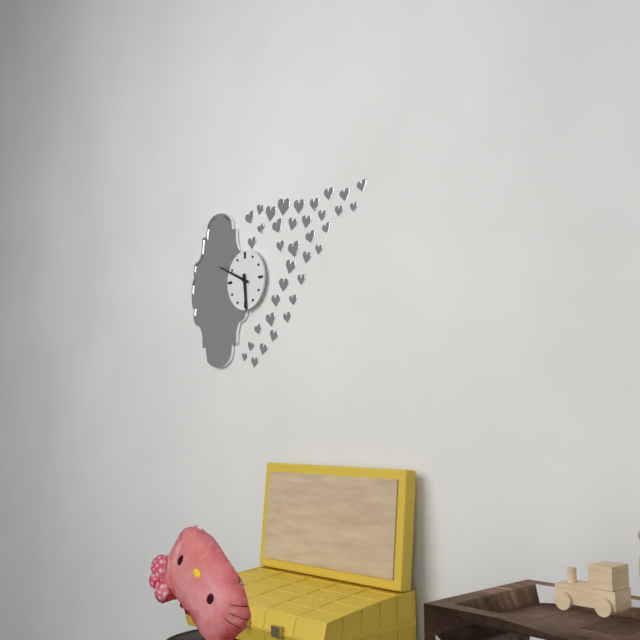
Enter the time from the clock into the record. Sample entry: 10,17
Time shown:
5,49
